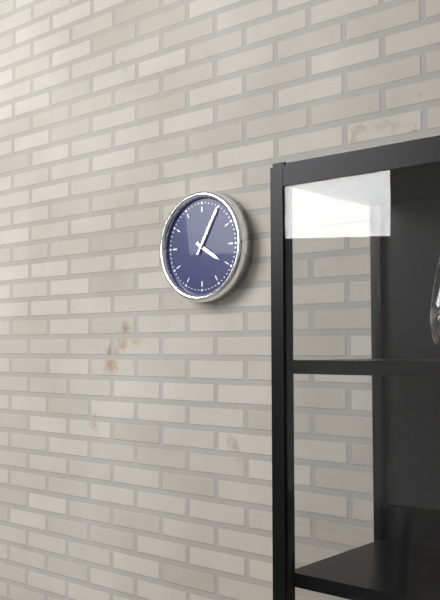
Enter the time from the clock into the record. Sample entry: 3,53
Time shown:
4,05
